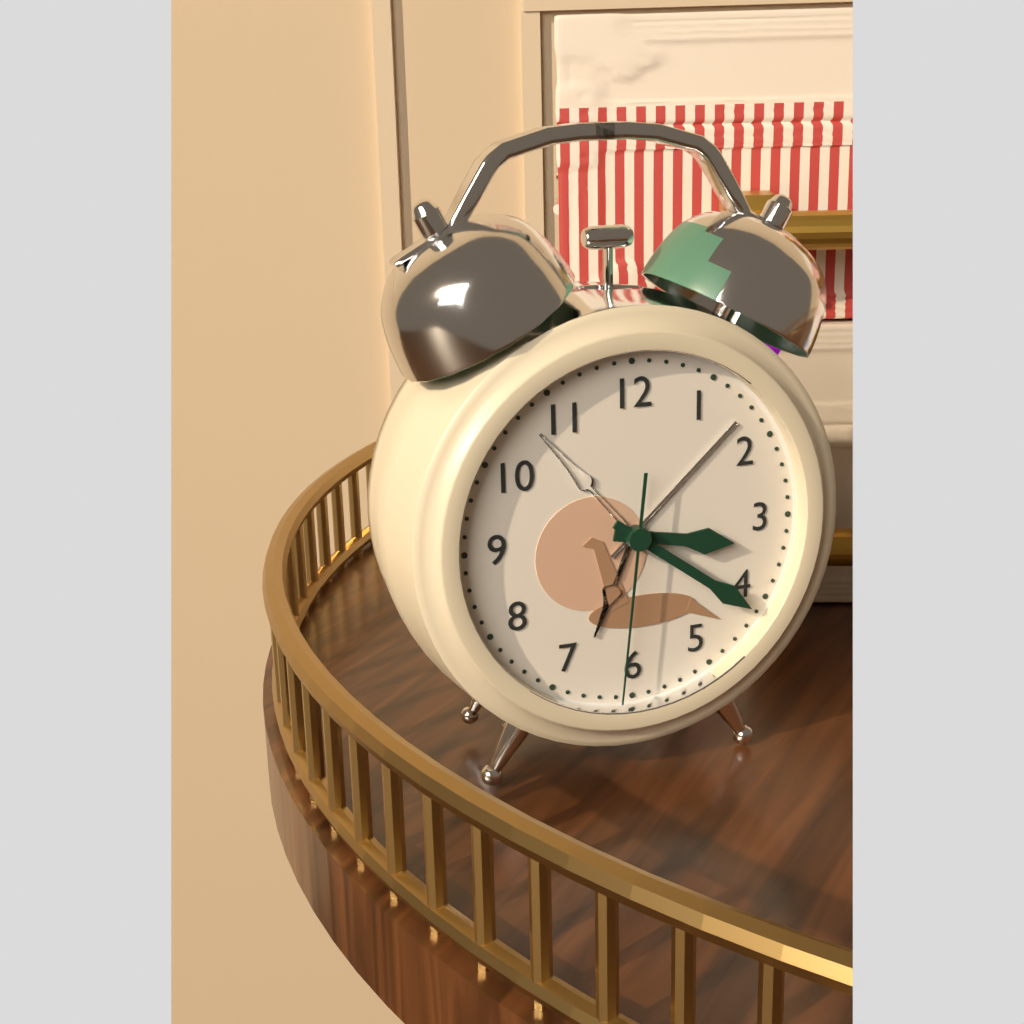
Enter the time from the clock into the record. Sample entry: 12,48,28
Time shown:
3,21,31
